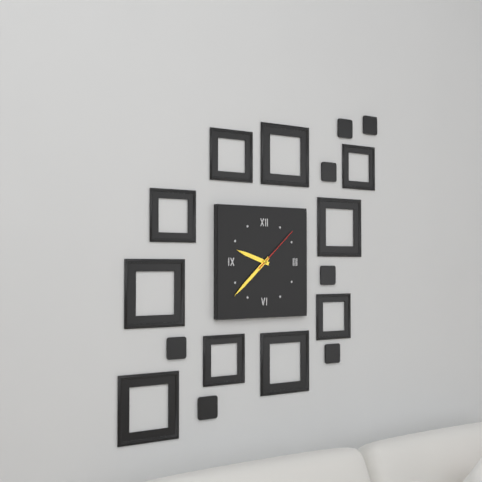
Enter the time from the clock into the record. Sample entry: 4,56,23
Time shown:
9,38,08
